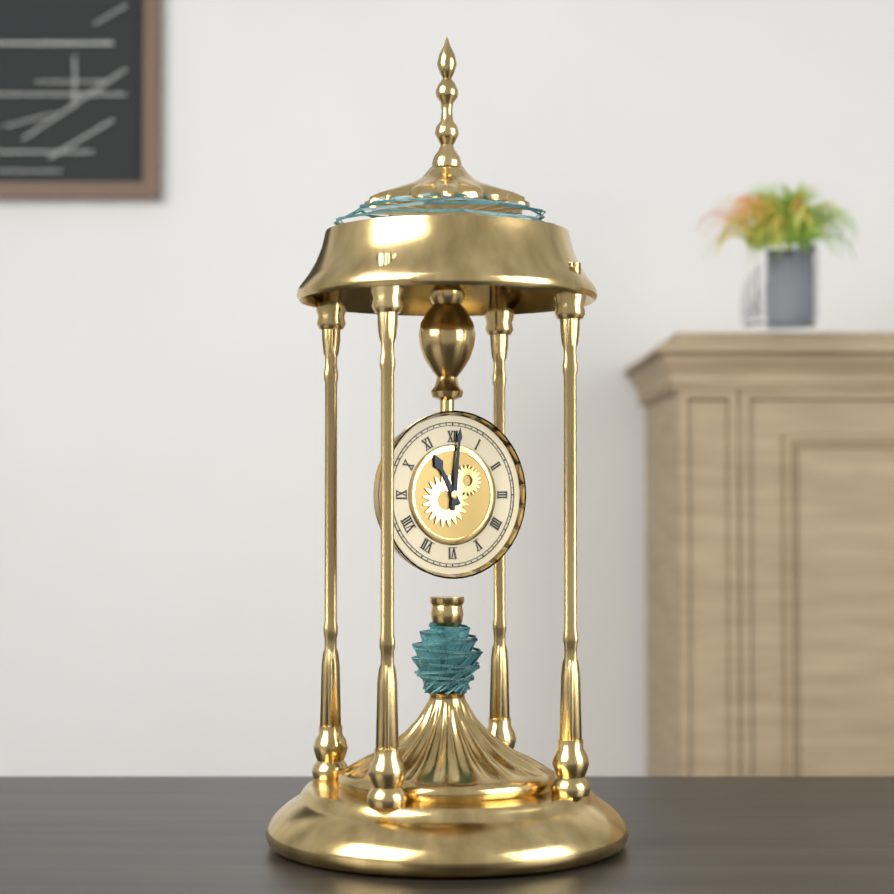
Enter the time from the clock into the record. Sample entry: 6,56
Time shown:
11,01
